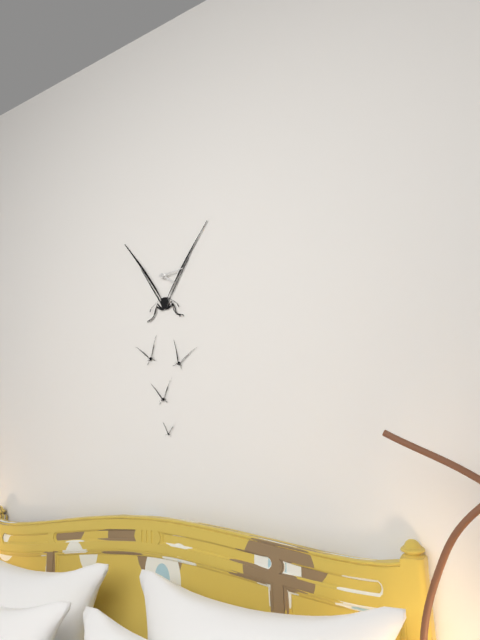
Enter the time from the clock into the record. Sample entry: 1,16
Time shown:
4,14
